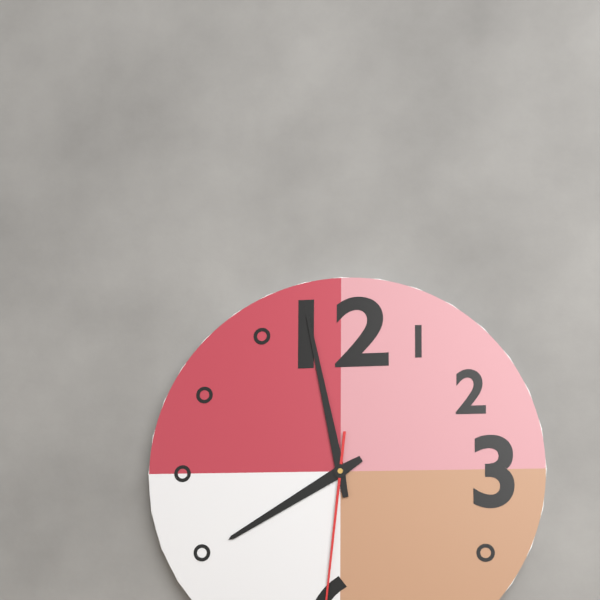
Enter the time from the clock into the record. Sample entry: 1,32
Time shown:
7,58
